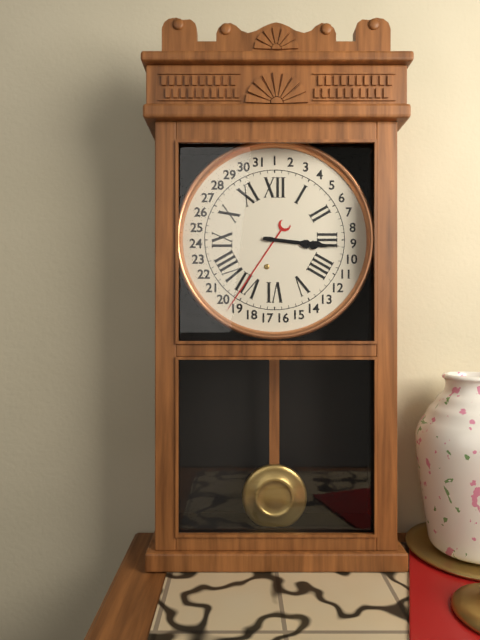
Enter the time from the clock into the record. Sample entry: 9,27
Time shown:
3,16
